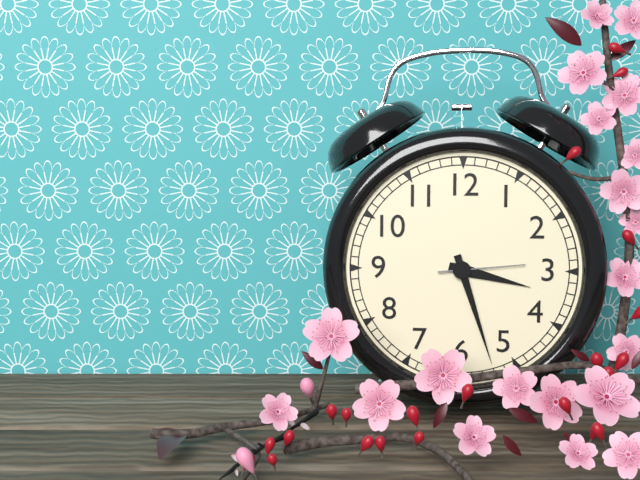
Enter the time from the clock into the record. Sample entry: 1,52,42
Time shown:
3,27,14
